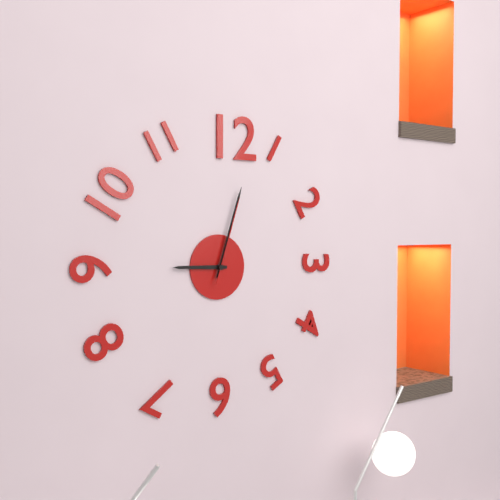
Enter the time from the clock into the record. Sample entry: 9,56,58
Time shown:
9,03,03
